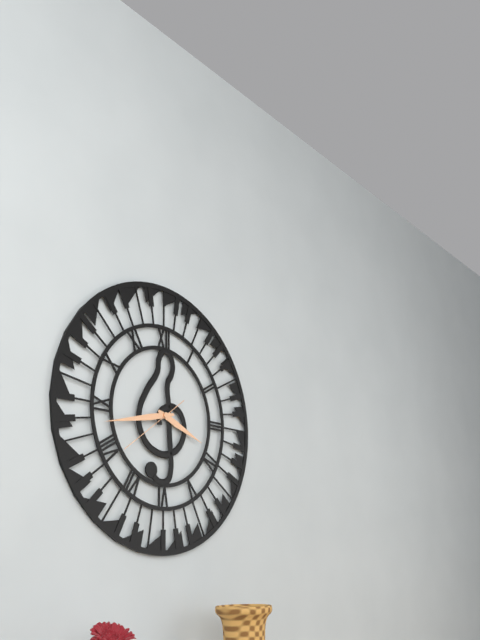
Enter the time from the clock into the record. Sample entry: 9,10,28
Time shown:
3,43,39
